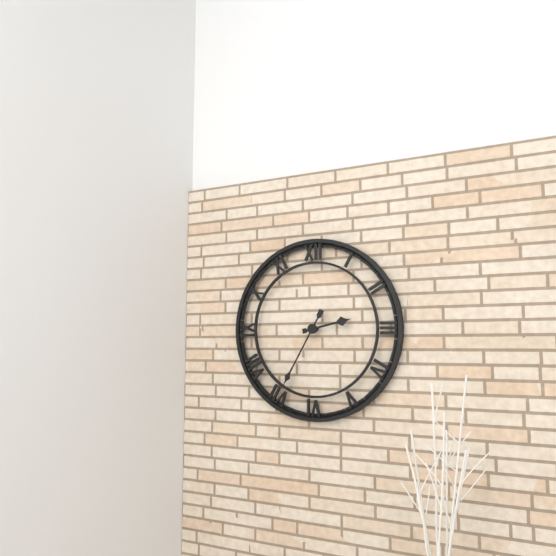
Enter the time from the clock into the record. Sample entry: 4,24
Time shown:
2,35
